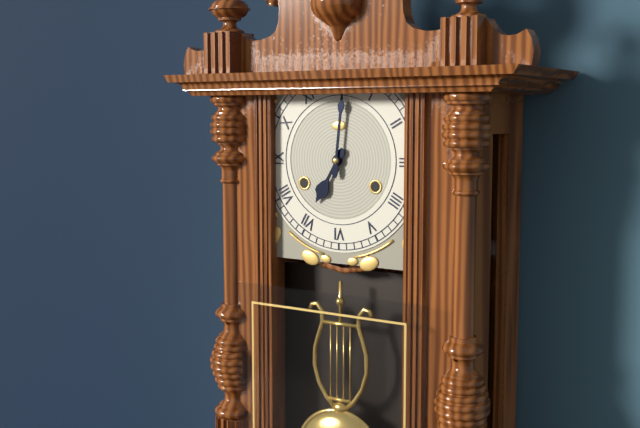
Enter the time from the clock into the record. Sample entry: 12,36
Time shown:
7,01
